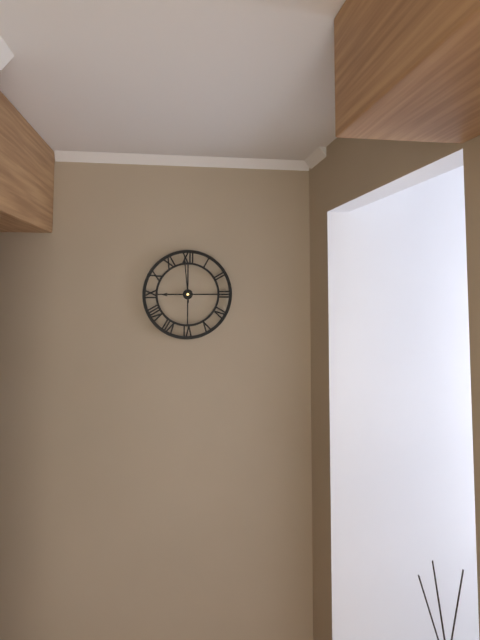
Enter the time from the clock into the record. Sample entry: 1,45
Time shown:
8,59
